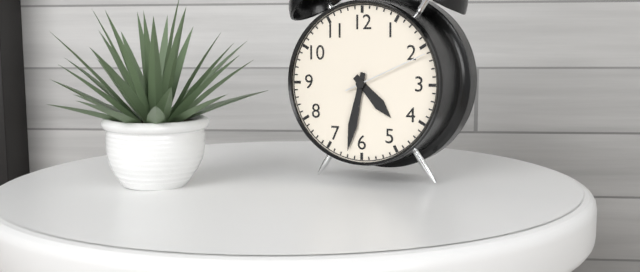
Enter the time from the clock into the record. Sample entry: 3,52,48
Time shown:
4,32,11
